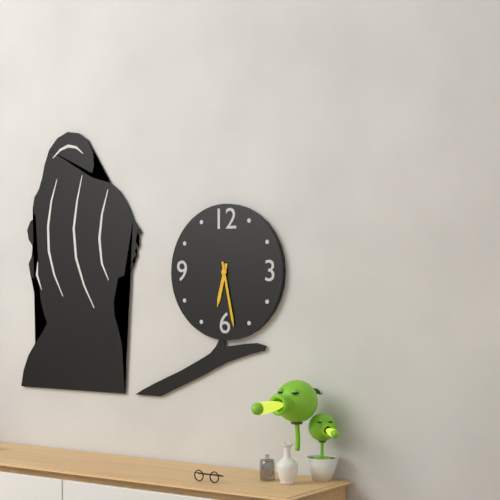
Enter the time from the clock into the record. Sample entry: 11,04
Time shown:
6,28
